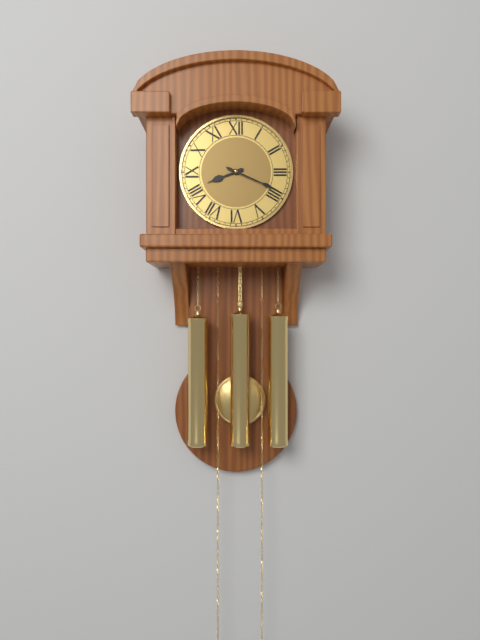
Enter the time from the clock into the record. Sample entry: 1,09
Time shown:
8,19
